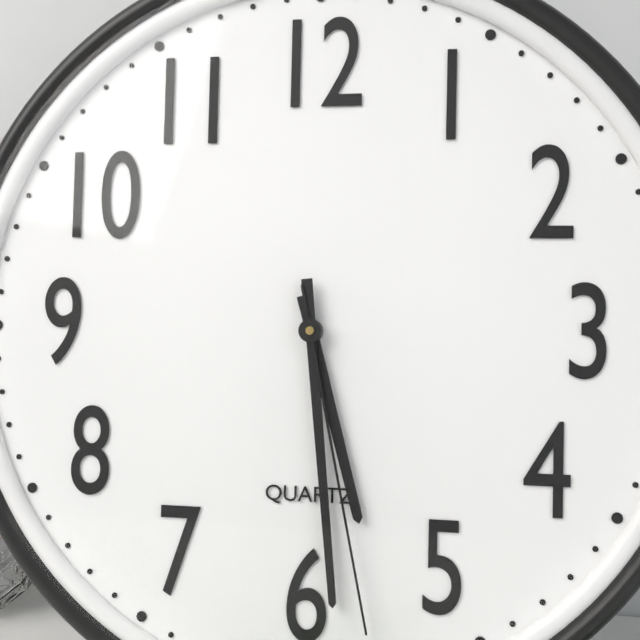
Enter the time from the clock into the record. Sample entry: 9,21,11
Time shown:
5,29,28
